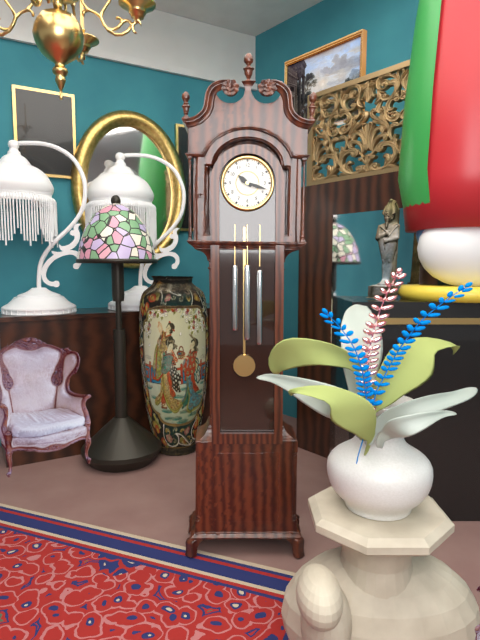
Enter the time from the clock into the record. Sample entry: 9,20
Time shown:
10,18
